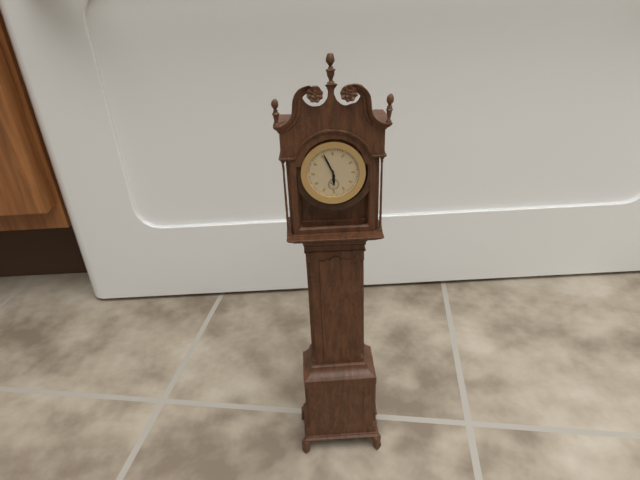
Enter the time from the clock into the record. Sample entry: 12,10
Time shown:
5,56
